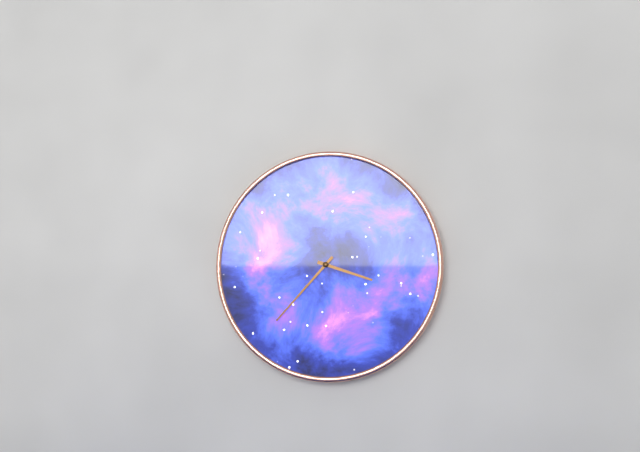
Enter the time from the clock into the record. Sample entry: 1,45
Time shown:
3,37
